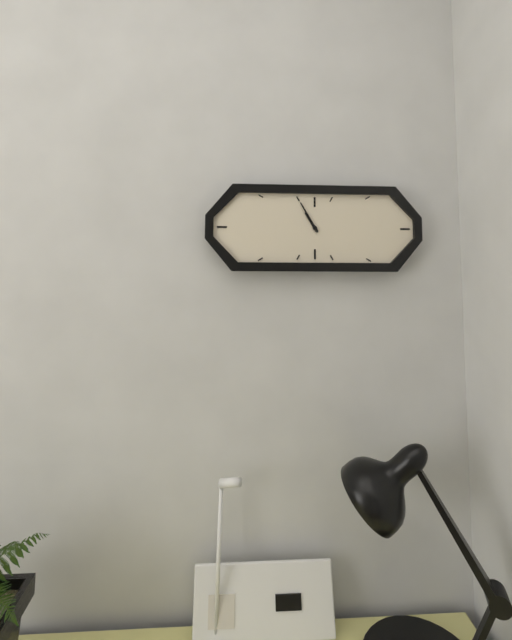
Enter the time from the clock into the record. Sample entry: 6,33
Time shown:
10,55
